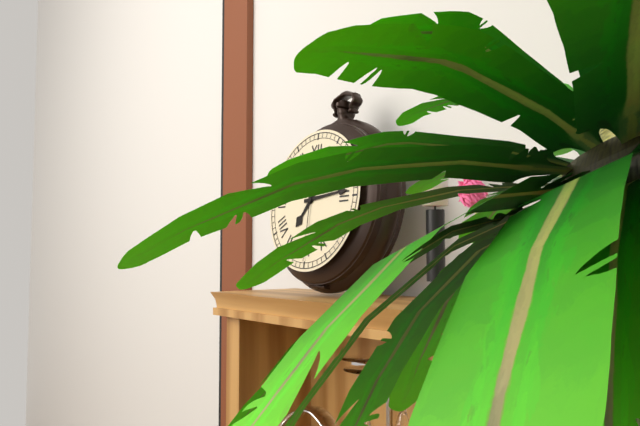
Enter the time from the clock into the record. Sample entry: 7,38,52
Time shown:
7,14,30
